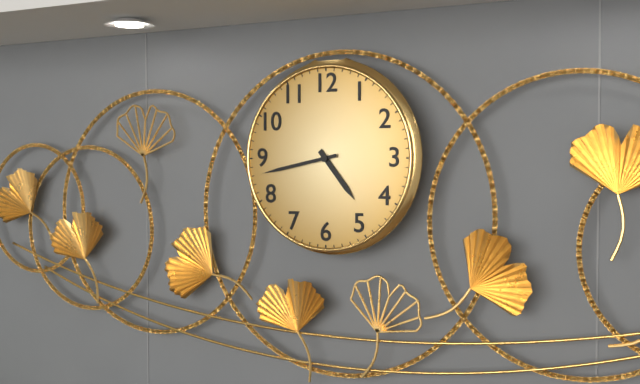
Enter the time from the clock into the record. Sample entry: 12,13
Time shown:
4,43
